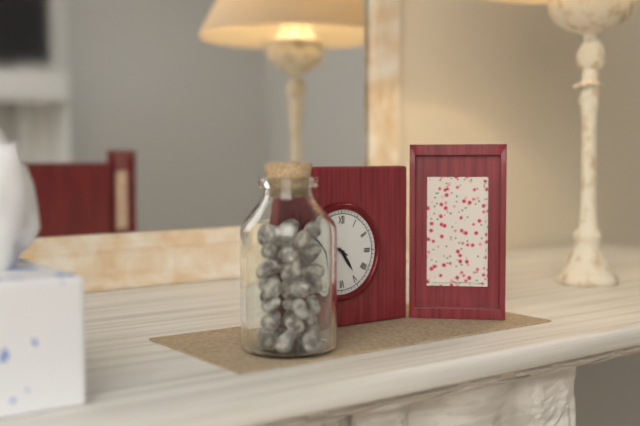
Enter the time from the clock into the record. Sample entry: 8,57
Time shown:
4,50
